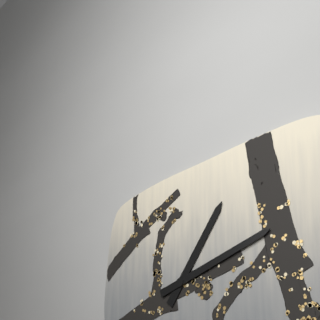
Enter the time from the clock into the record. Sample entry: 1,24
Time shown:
1,12
